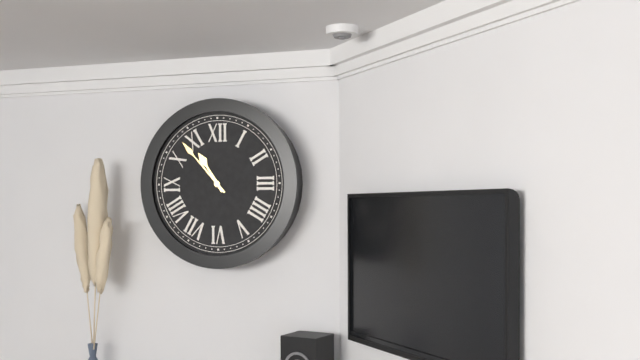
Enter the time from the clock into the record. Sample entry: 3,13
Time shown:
10,53
